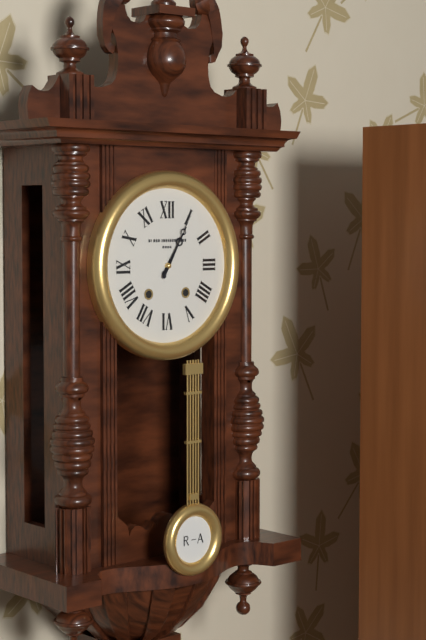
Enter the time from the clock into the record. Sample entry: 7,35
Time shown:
1,05
